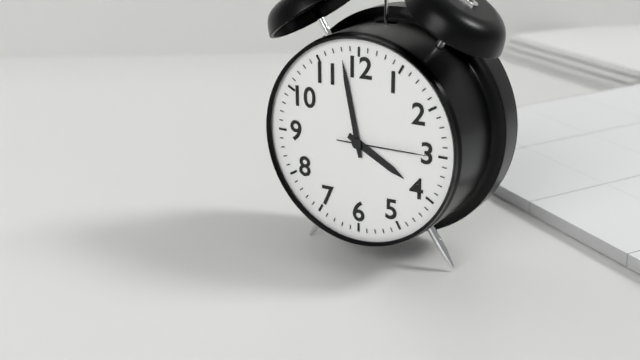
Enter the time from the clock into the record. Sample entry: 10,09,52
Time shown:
3,58,15
